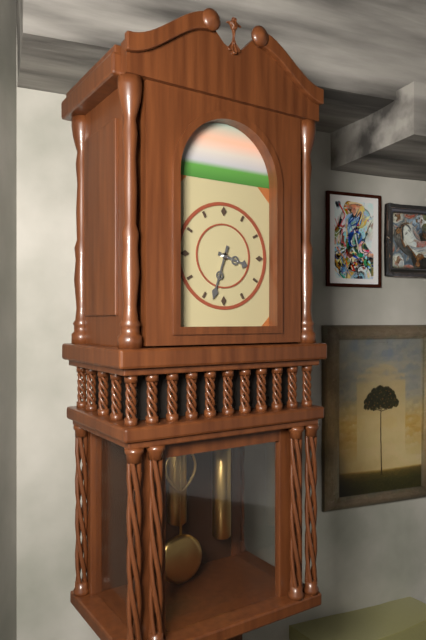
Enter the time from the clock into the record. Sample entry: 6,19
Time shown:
3,33
